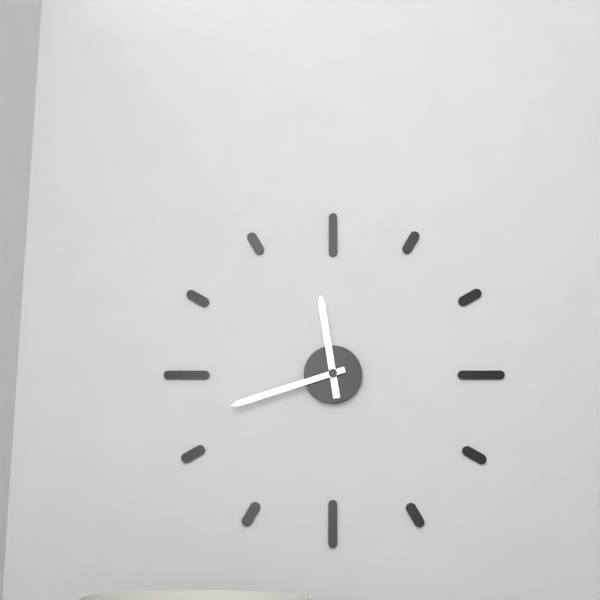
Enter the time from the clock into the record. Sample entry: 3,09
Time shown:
11,42
